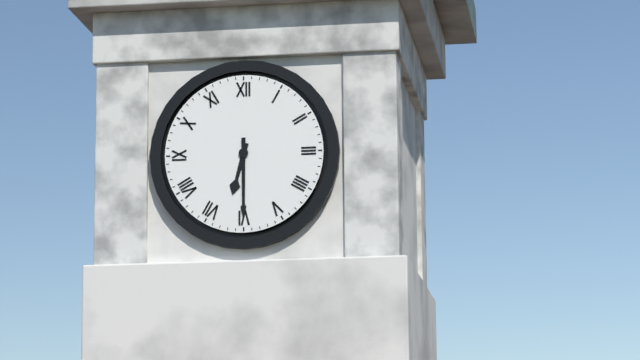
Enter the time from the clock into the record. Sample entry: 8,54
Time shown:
6,30
